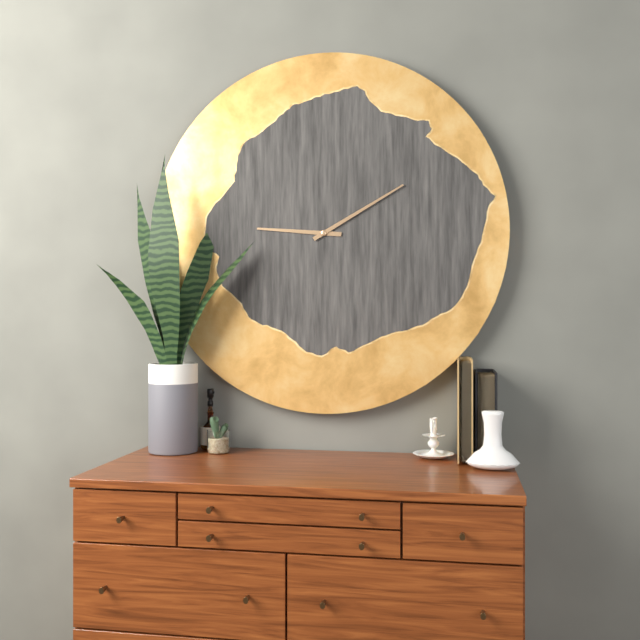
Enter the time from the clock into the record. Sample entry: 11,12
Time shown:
9,10
